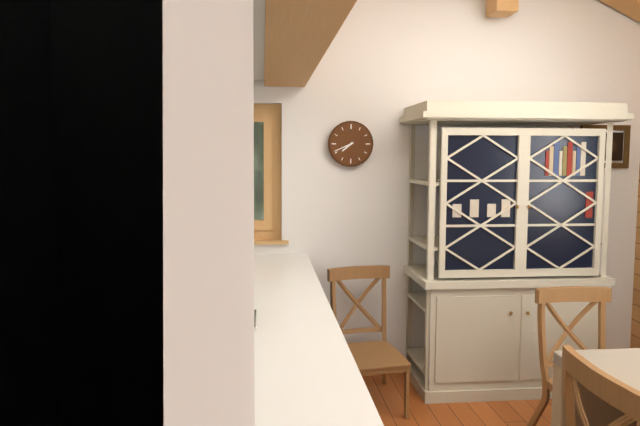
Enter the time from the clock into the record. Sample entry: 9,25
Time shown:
7,41
